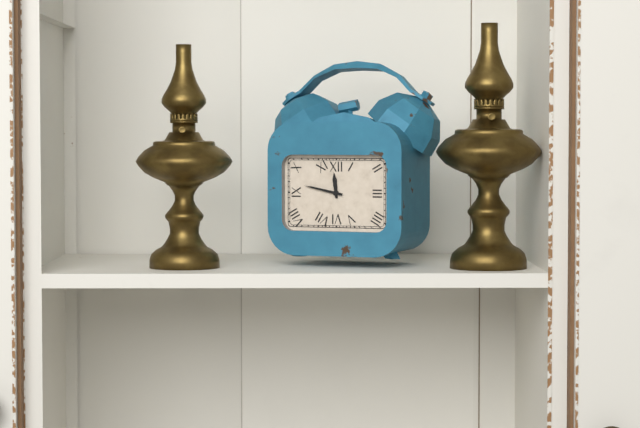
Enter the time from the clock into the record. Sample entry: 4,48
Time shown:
11,47
